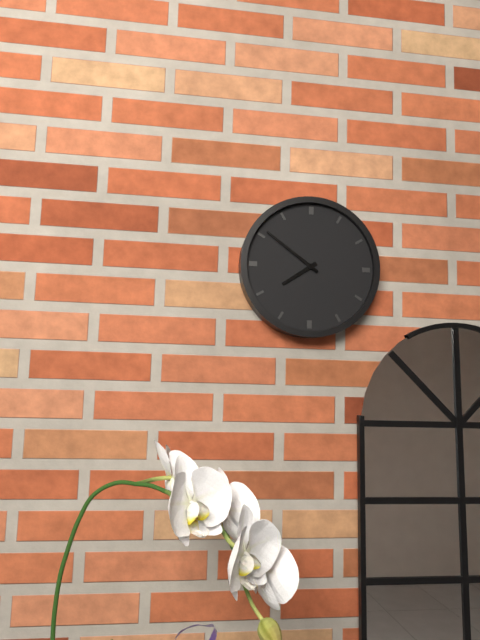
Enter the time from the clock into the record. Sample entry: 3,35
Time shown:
7,51
